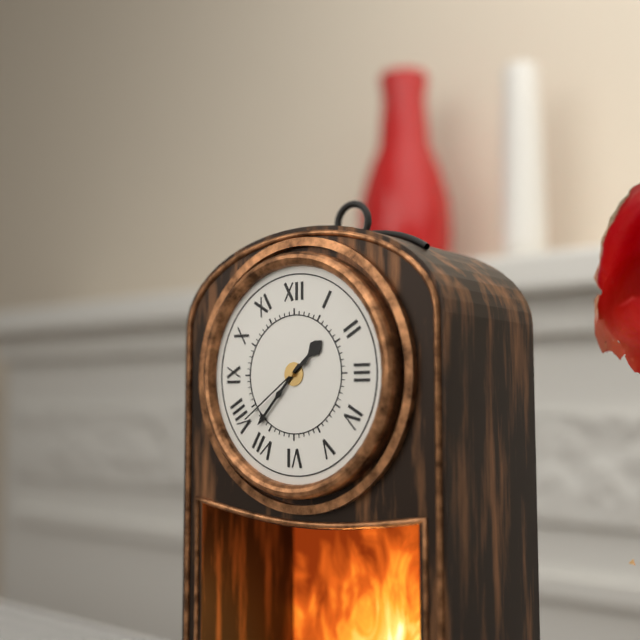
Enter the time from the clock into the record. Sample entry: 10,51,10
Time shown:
1,37,39
